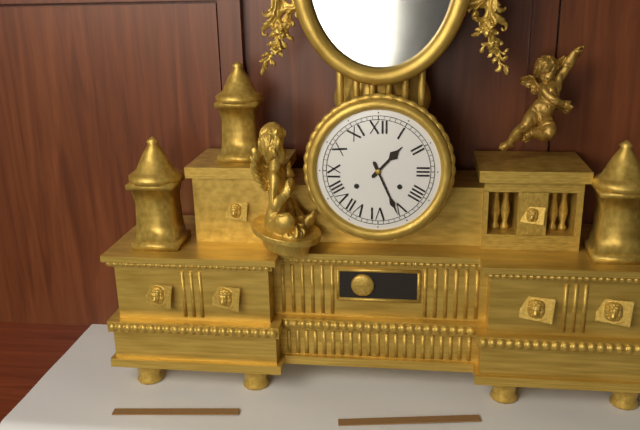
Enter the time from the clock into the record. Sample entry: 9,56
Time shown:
1,26
